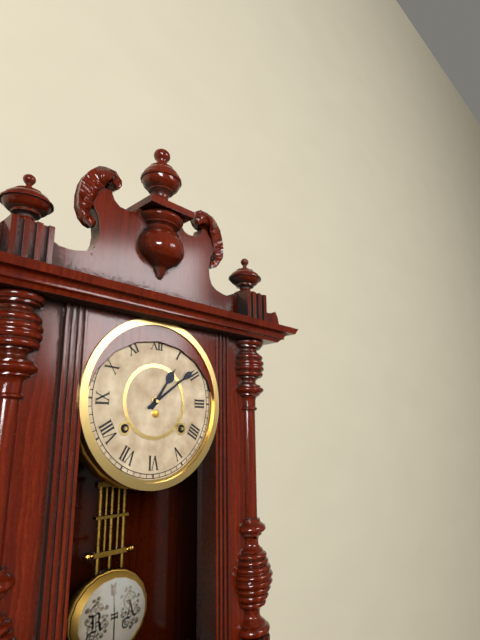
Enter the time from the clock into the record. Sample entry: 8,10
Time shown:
1,09
